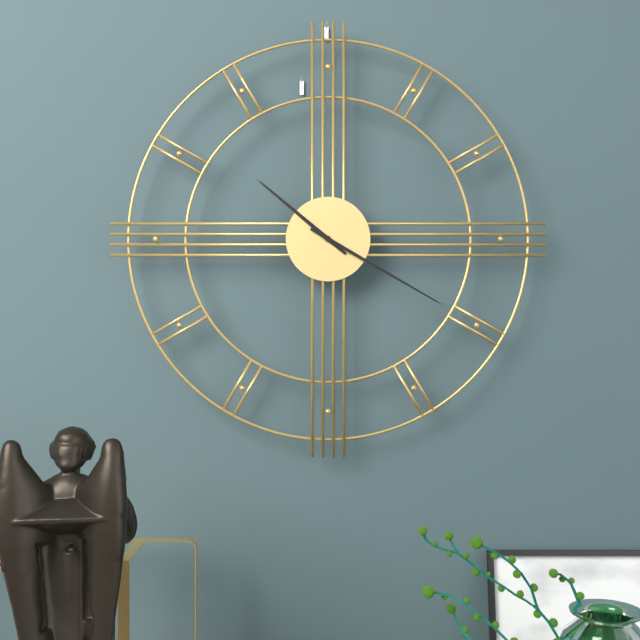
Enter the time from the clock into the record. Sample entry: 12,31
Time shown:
10,20
